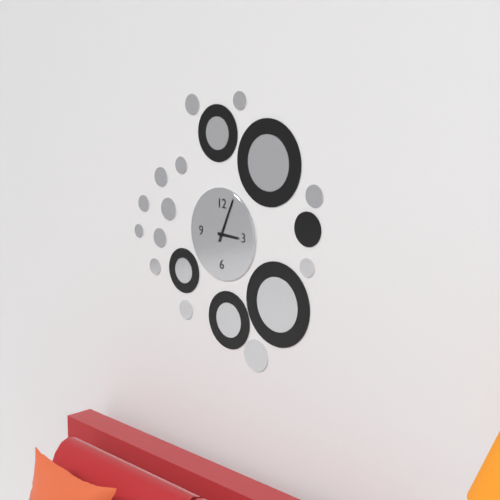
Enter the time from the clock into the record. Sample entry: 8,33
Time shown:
3,04
